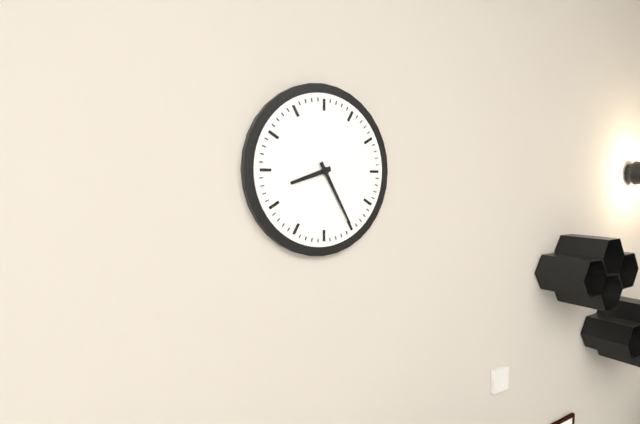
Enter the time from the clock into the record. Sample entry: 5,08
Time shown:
8,25
